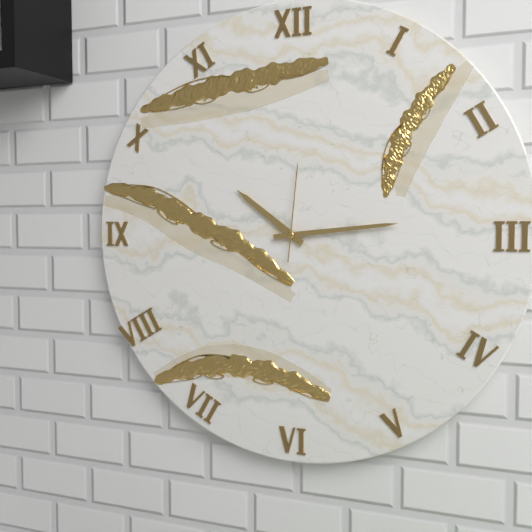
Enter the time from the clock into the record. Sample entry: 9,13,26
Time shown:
10,14,01
